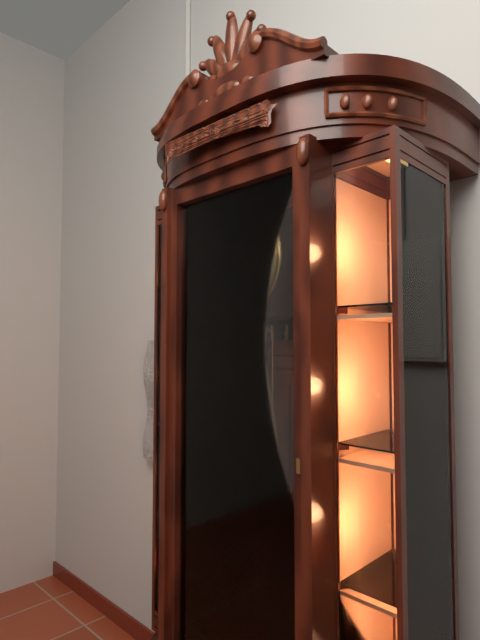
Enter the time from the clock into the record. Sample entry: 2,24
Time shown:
8,05
